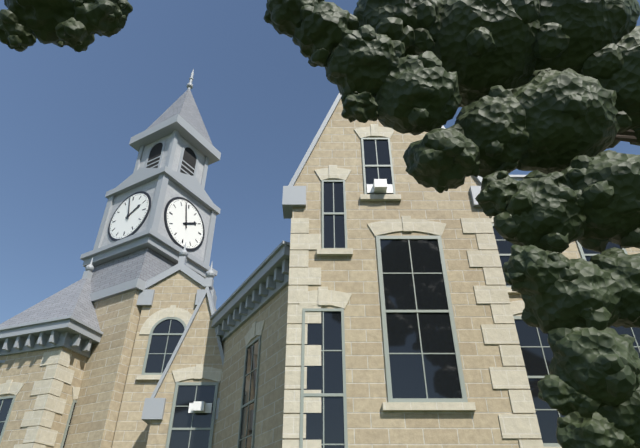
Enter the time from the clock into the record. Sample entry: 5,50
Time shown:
1,58
